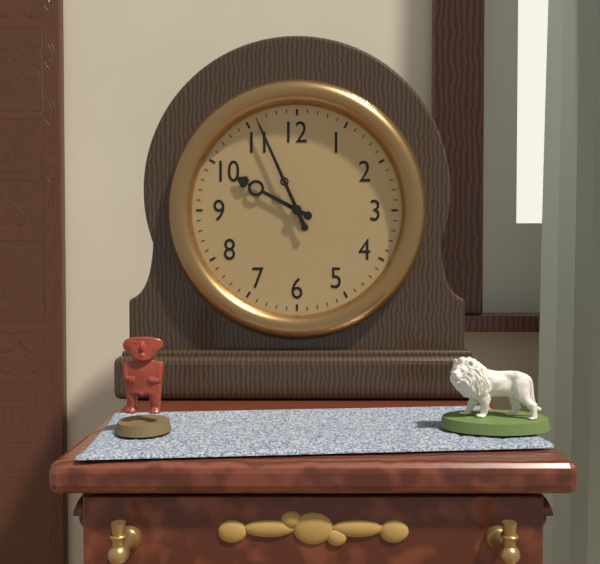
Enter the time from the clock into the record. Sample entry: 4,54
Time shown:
9,56
